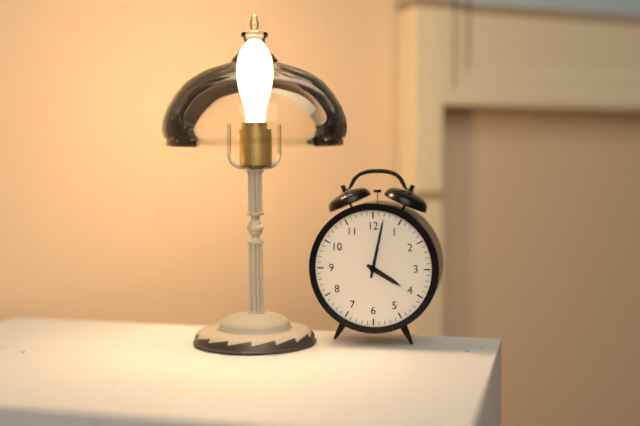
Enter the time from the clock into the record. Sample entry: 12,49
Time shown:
4,02
